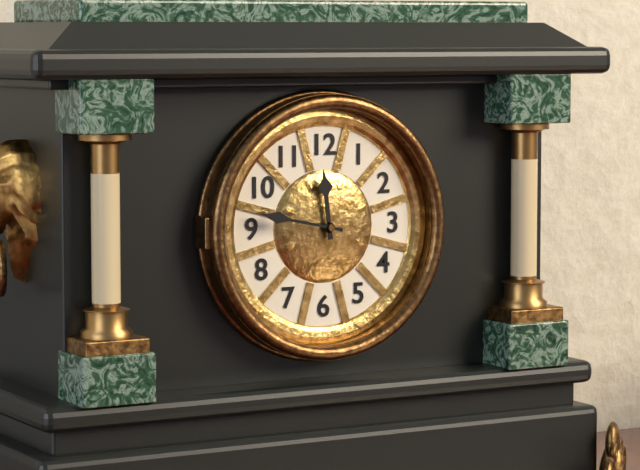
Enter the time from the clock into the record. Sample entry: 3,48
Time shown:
11,47
